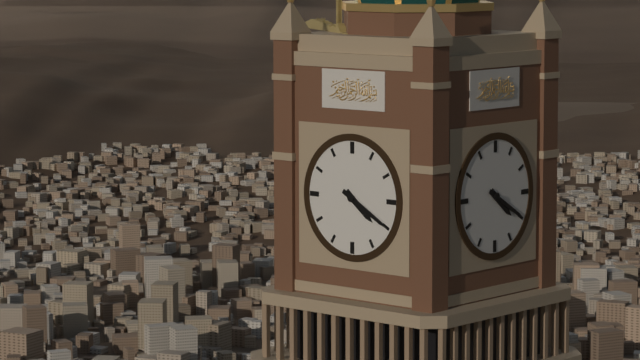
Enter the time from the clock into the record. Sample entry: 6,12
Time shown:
4,20
